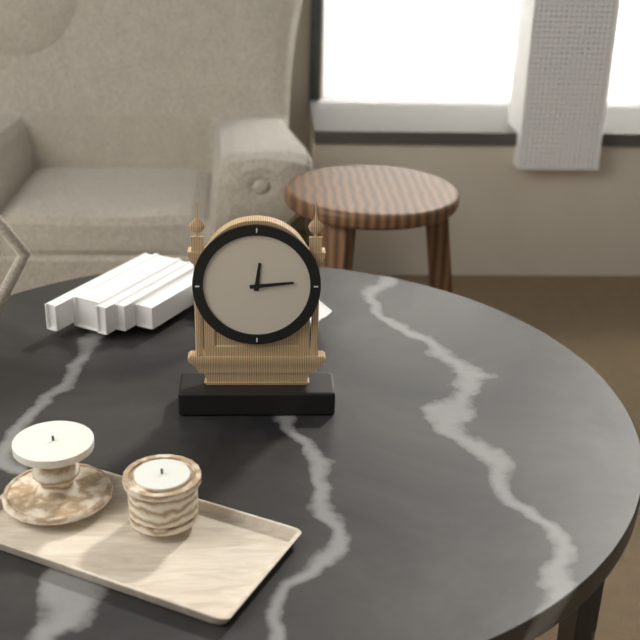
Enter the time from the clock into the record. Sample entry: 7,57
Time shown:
12,14
